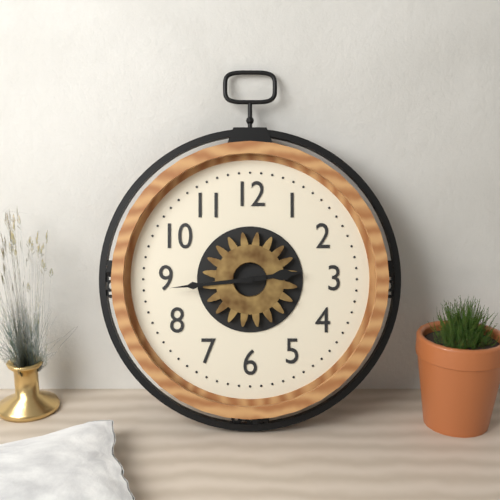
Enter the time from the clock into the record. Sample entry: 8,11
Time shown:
2,44
